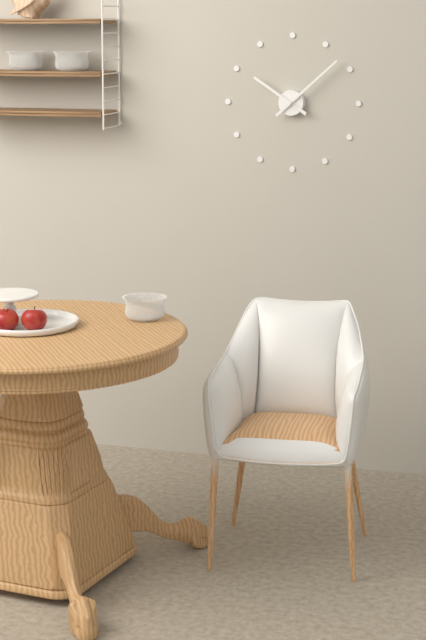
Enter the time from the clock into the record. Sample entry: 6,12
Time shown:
10,08
